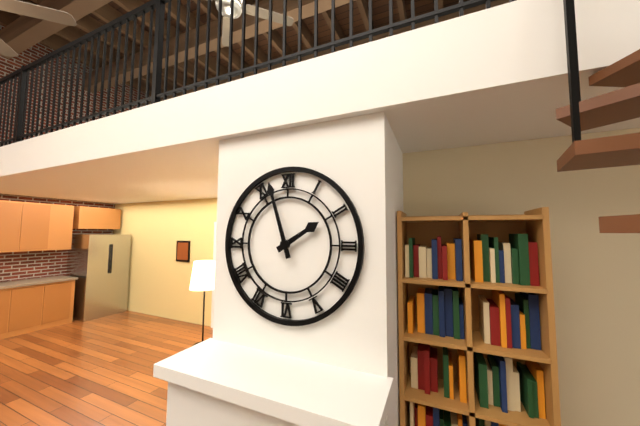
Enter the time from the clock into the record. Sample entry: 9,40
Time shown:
1,57
